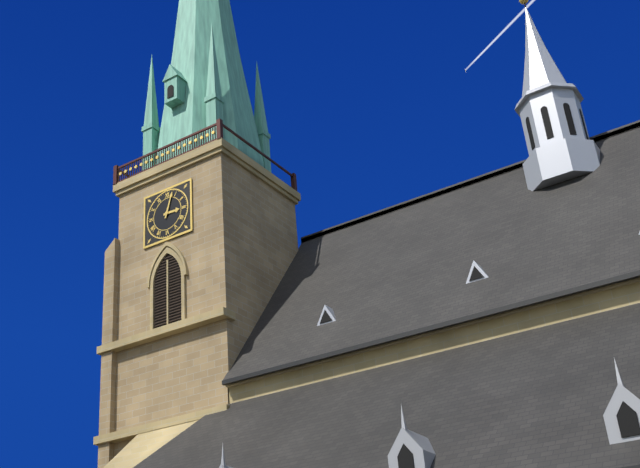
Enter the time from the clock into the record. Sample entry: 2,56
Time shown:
3,03
